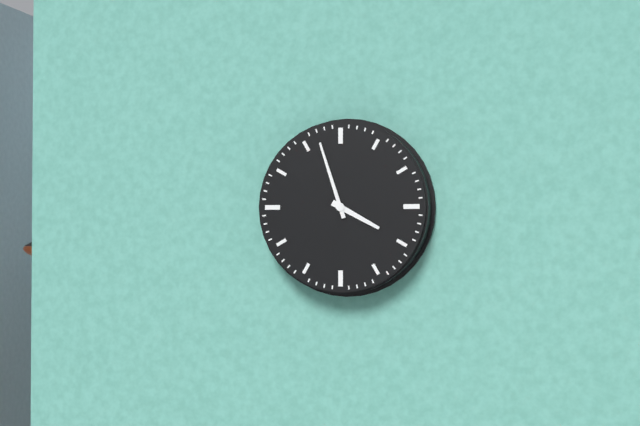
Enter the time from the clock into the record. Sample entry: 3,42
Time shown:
3,57
